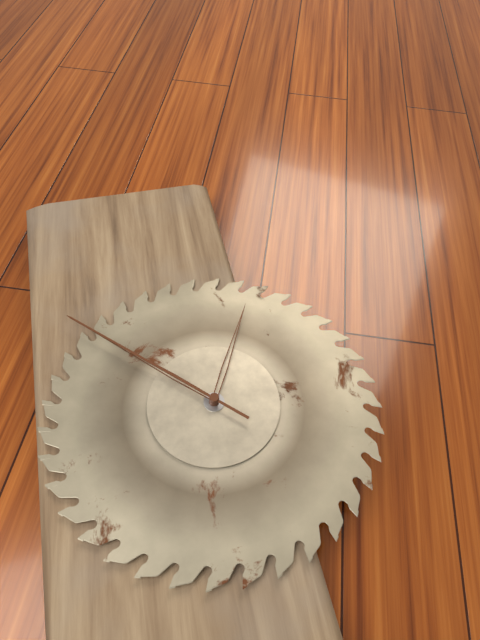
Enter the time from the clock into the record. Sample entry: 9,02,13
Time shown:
12,52,52
